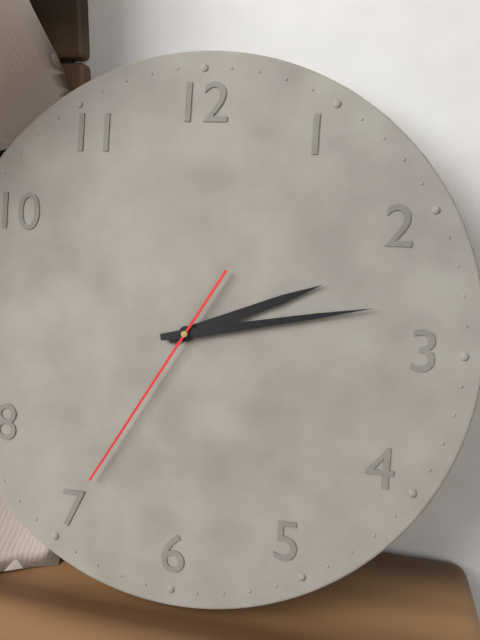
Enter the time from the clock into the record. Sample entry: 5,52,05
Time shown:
2,13,35
